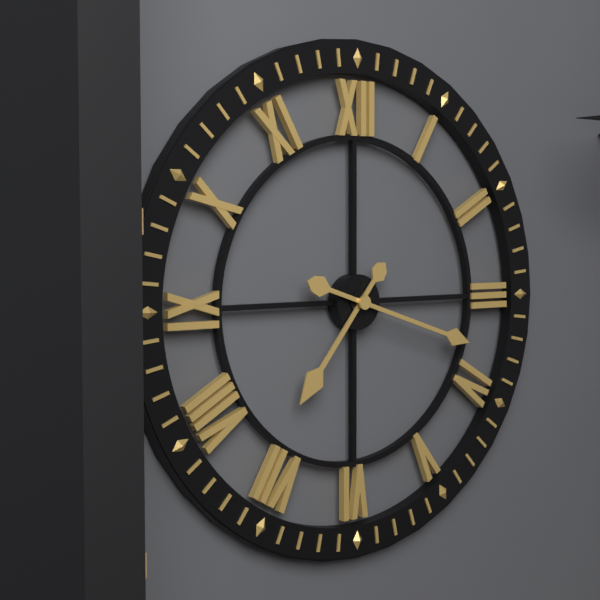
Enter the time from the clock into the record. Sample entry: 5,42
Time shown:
7,18
